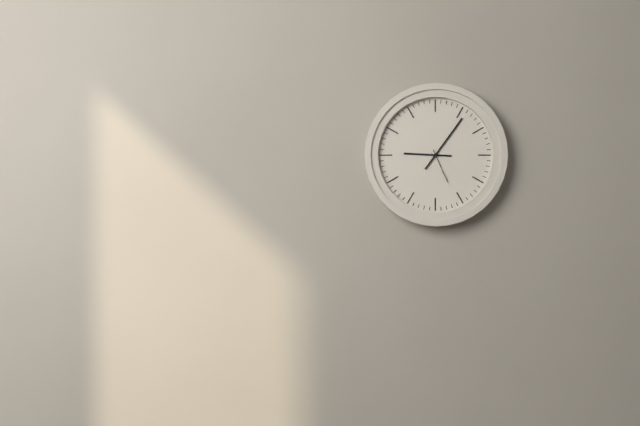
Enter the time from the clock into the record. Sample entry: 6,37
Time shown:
9,06
